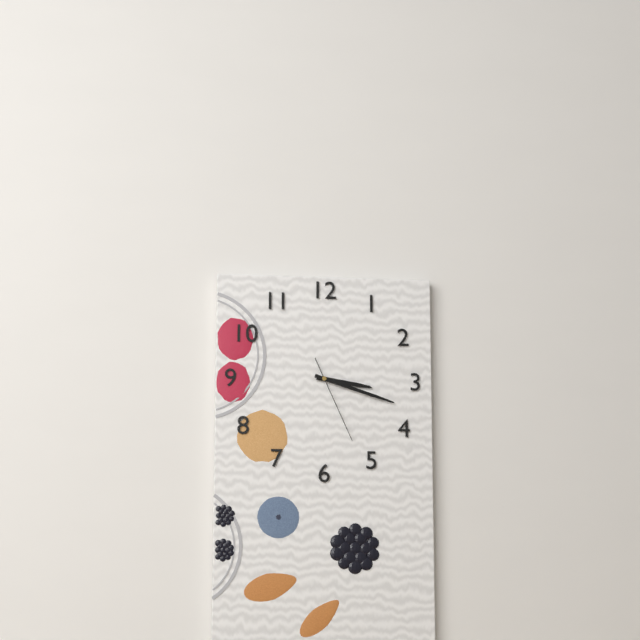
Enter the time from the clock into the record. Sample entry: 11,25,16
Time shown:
3,18,26
